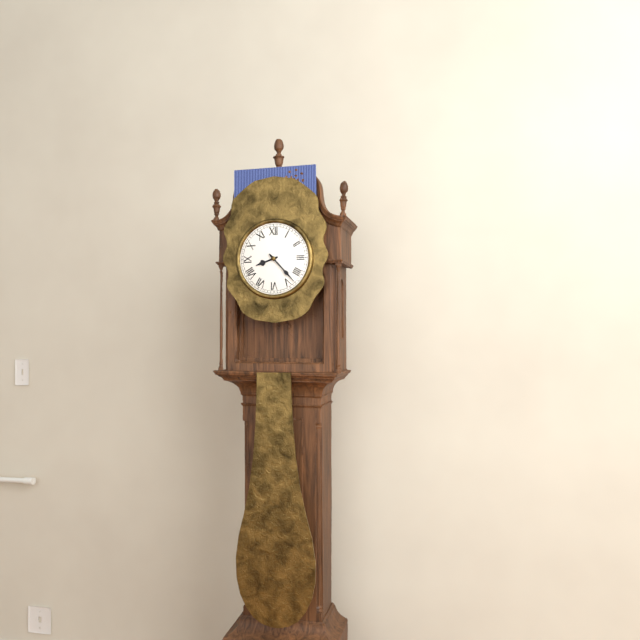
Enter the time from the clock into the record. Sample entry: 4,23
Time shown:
8,23
